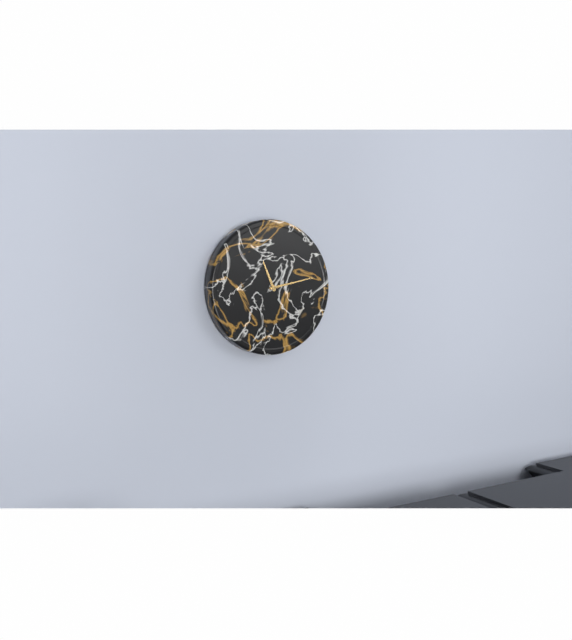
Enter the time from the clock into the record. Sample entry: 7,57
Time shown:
11,13
